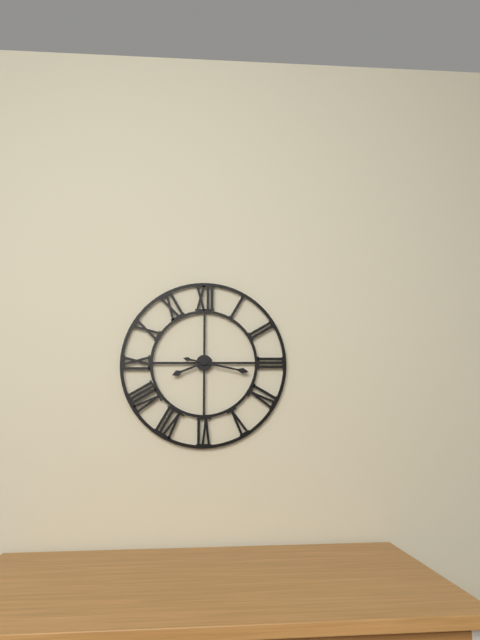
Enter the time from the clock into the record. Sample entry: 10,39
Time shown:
8,17
